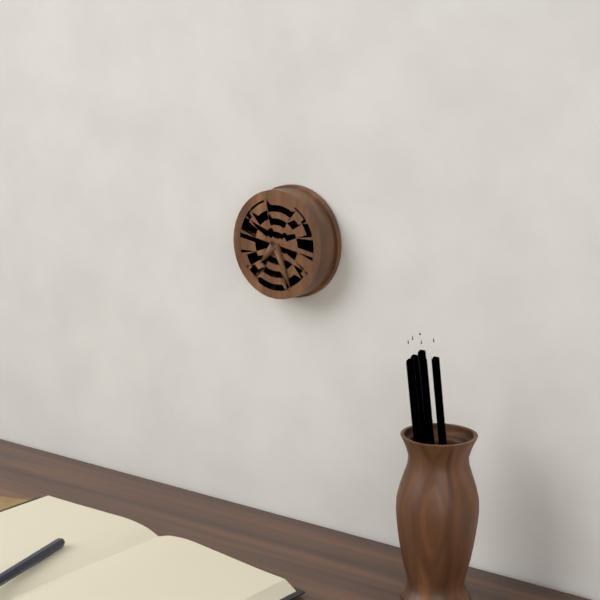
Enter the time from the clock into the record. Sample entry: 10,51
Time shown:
7,26
